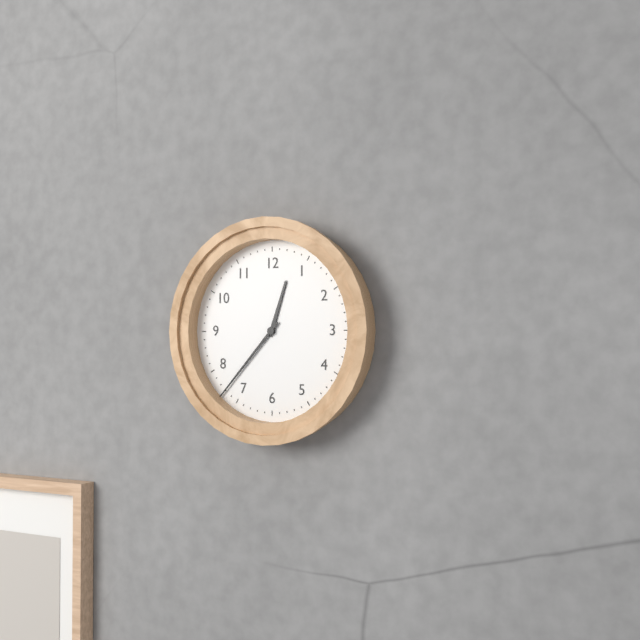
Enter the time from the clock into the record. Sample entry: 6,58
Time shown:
12,37
